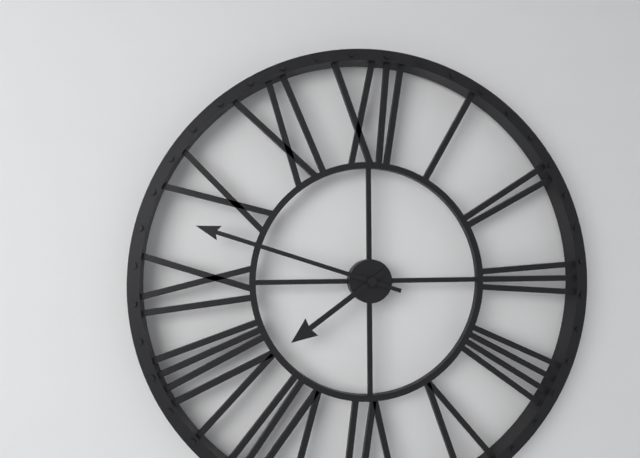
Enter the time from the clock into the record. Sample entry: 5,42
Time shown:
7,48
